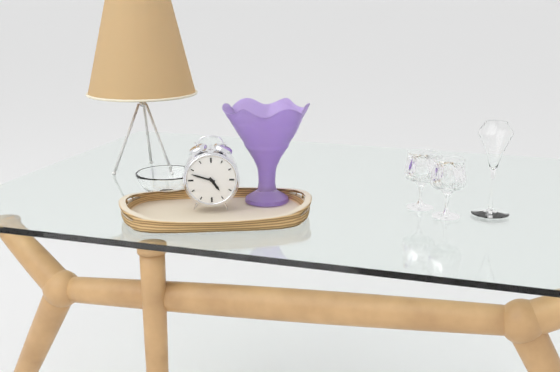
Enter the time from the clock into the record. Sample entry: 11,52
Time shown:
4,48
